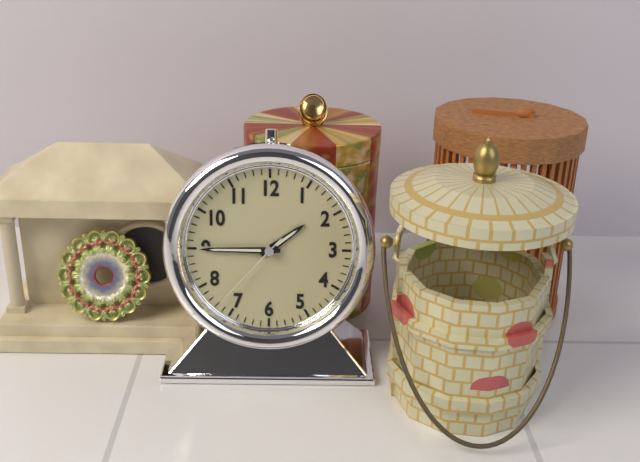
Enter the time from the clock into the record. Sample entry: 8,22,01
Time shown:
1,45,37
